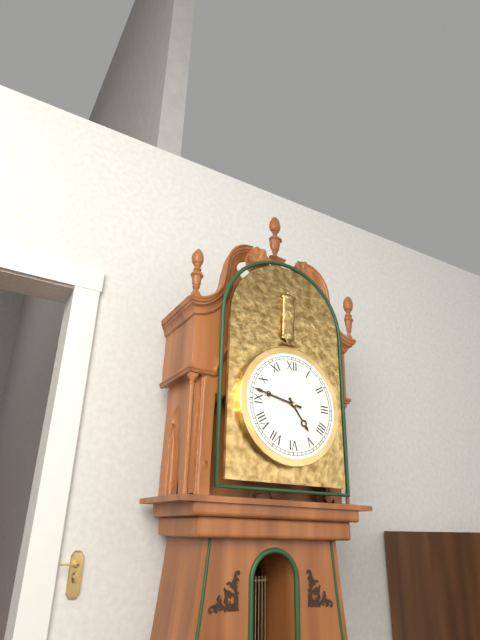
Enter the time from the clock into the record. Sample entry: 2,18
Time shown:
4,47
